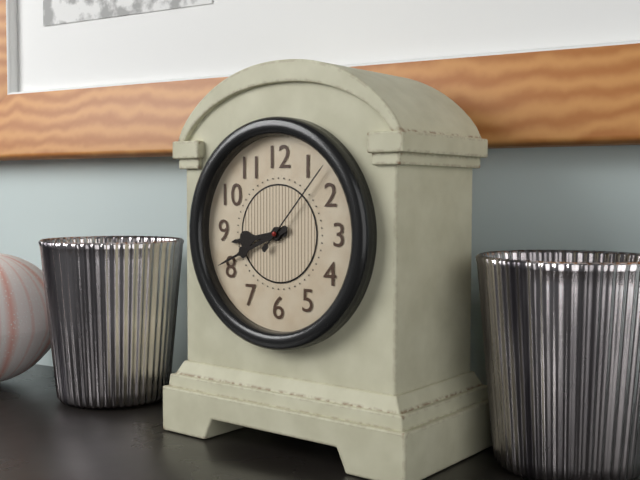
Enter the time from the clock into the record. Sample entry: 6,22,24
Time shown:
8,41,07
